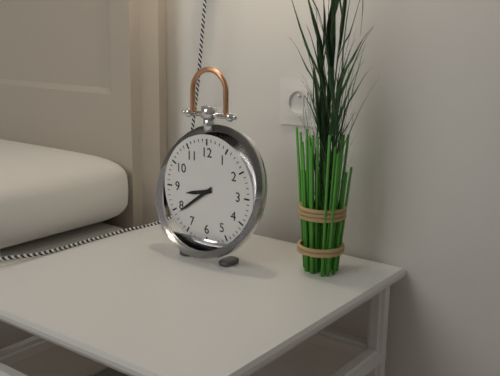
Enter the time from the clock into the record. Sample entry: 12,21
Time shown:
8,39
